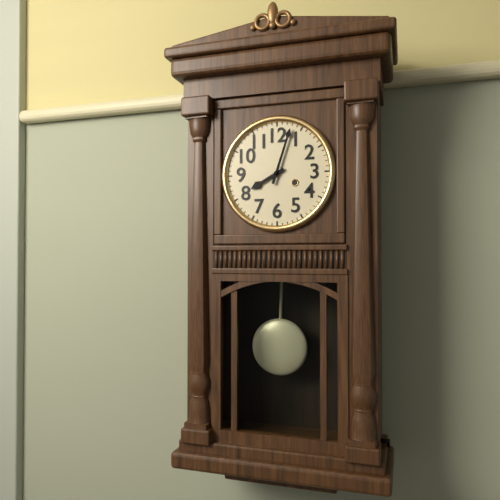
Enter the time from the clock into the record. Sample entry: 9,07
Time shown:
8,03
